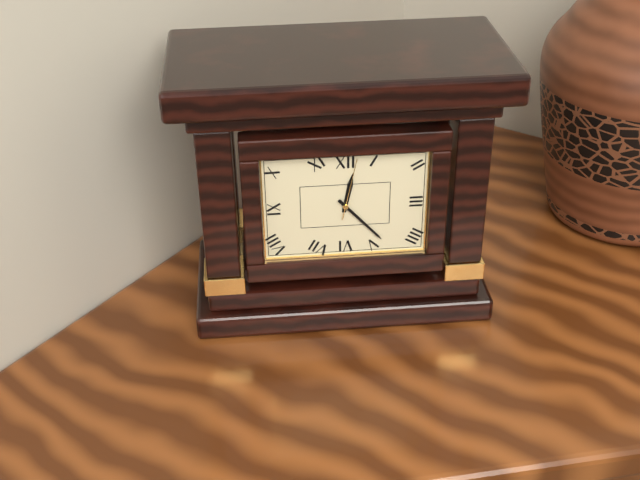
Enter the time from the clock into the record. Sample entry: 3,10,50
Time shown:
12,23,02
